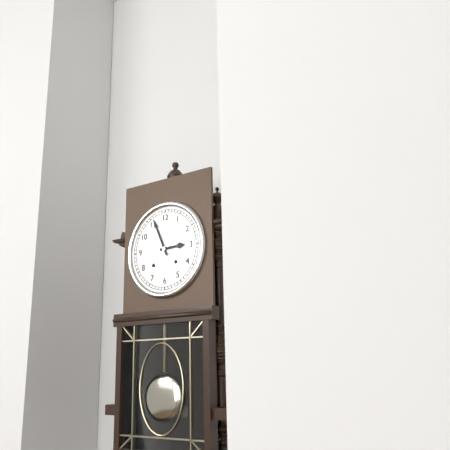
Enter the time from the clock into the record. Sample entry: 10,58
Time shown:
2,56
